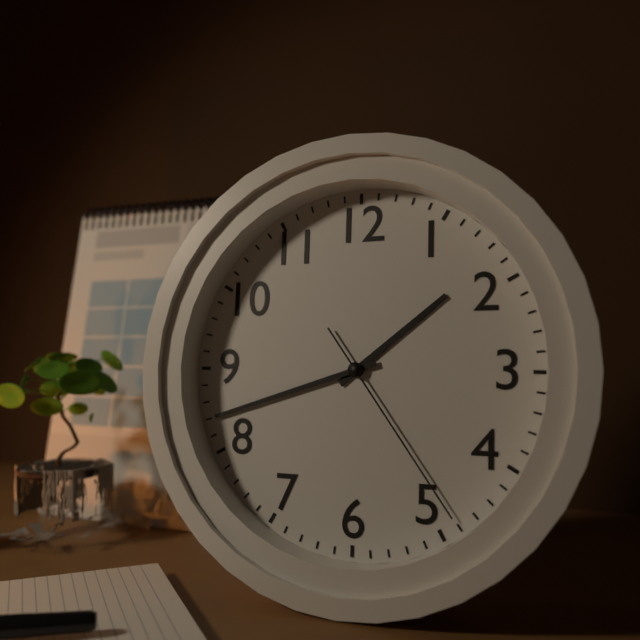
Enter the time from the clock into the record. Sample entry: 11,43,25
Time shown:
1,42,24
